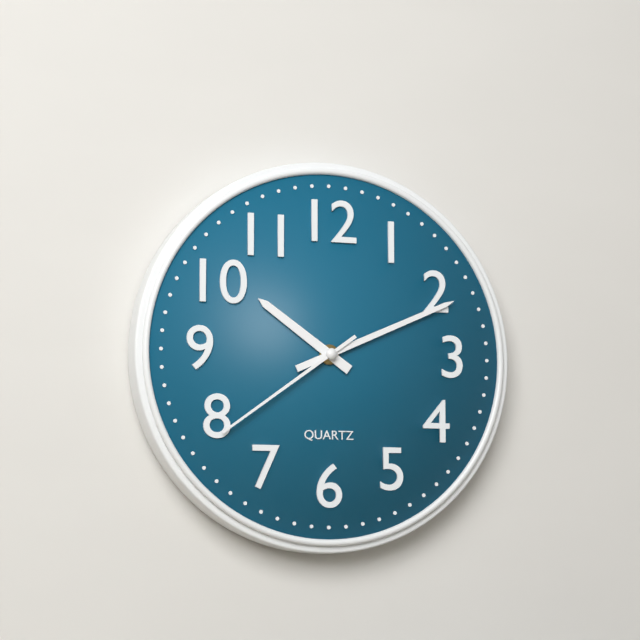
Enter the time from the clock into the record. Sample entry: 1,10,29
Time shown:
10,11,39
